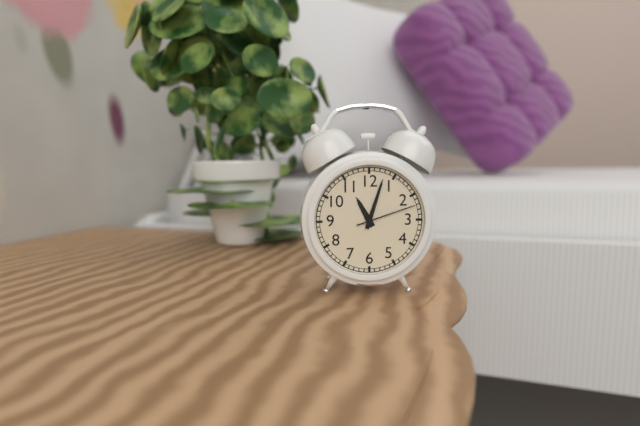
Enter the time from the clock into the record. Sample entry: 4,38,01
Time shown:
11,03,12
